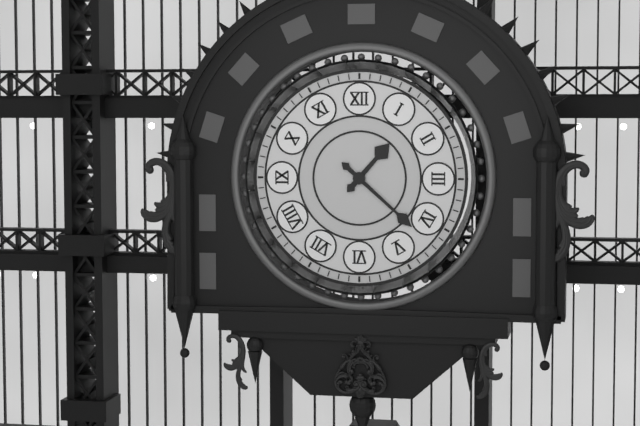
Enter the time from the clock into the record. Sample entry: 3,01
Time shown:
1,22
